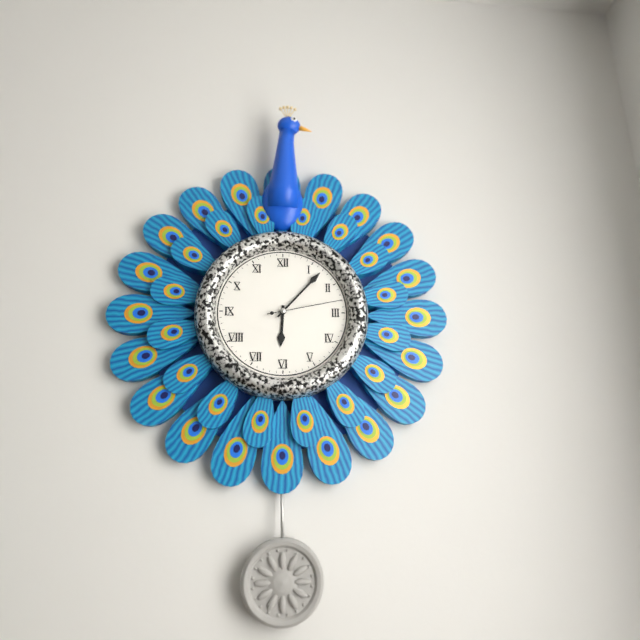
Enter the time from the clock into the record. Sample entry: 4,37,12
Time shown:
6,07,13
